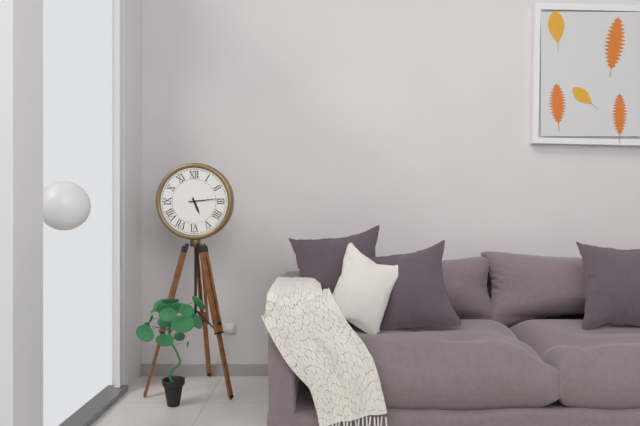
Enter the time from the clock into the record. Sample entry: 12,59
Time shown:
5,14
